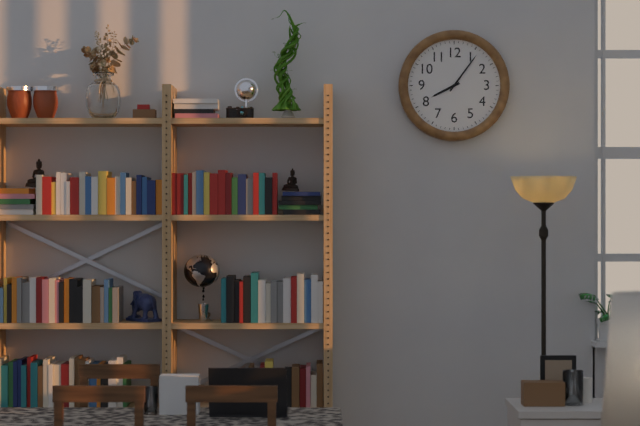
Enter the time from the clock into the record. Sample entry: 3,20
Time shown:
8,06
